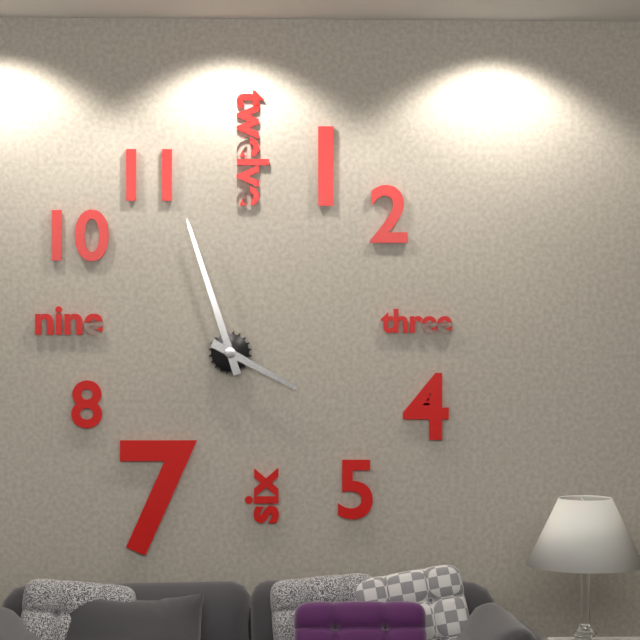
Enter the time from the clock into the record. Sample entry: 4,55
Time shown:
3,57
